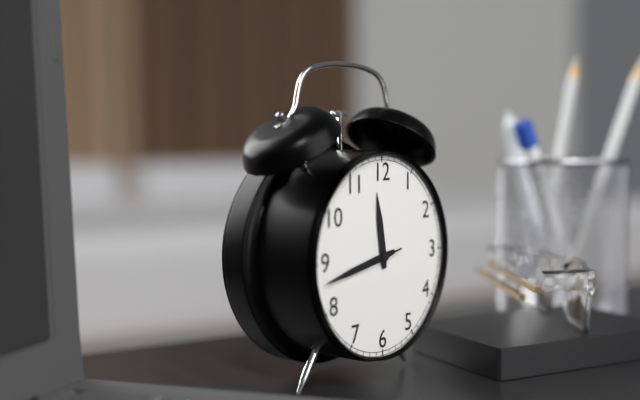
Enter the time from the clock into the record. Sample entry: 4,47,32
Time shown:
11,43,43
